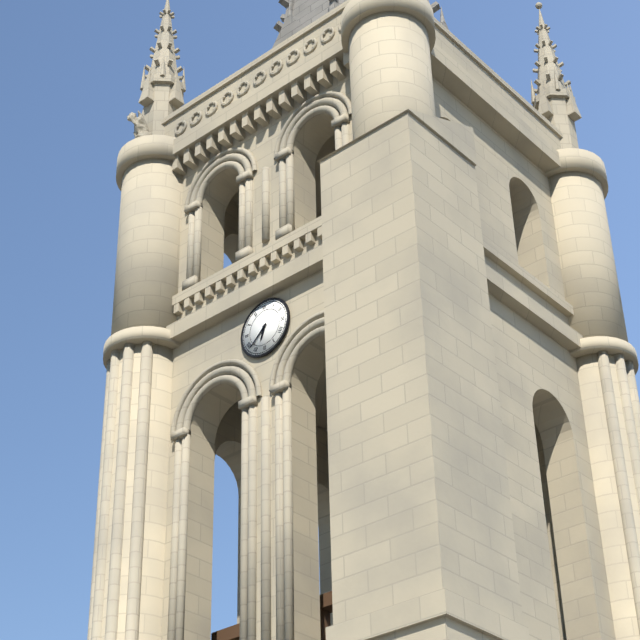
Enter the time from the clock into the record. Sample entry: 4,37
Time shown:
6,38
